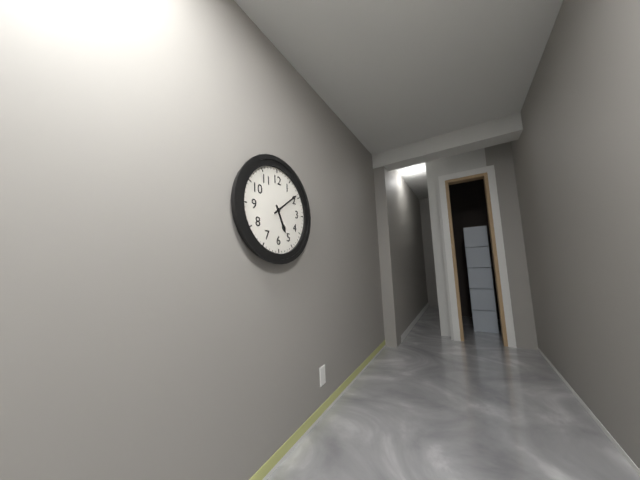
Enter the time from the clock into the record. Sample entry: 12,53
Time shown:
5,09
